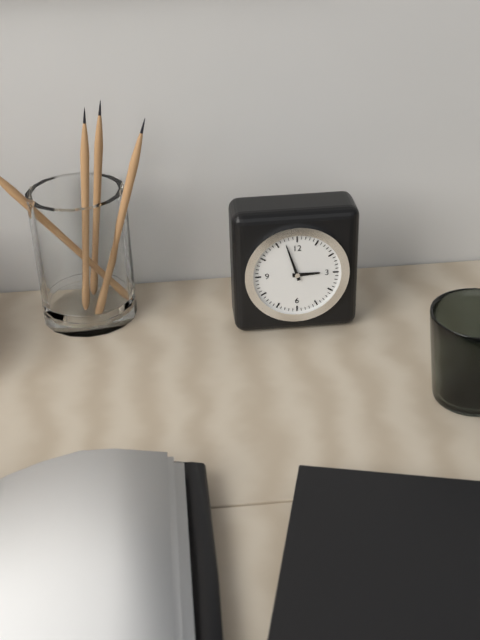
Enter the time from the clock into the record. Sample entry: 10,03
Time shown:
2,57
